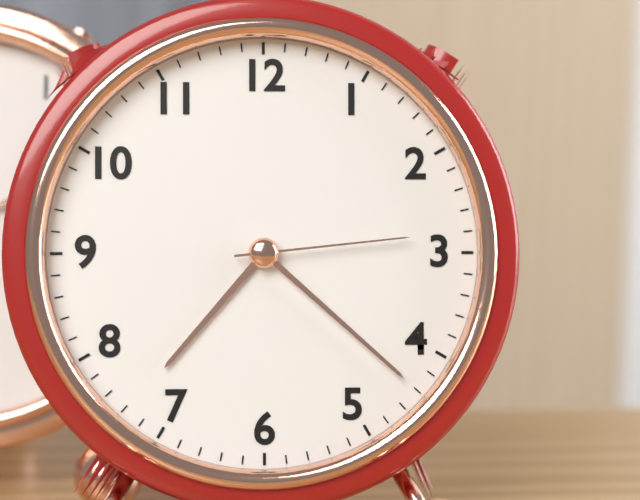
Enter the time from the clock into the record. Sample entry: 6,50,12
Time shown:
7,22,14
